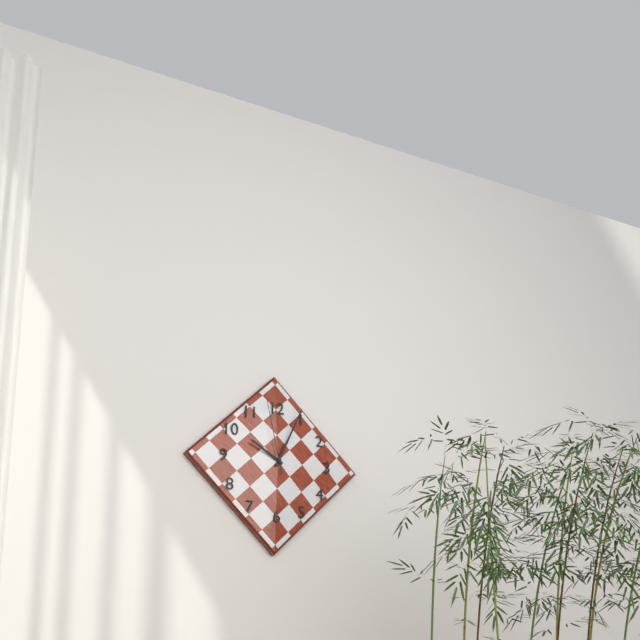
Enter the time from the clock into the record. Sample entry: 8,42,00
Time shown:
10,04,58
